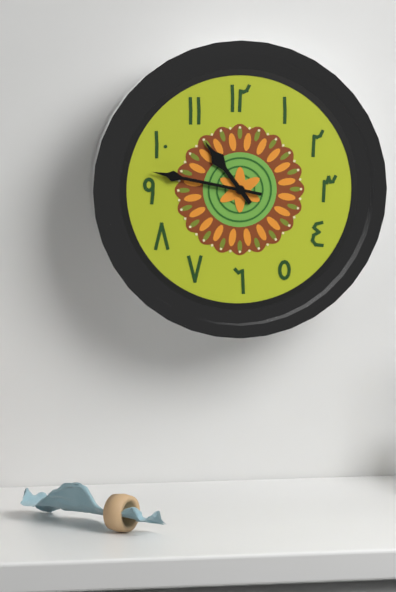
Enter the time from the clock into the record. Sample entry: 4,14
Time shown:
10,47
